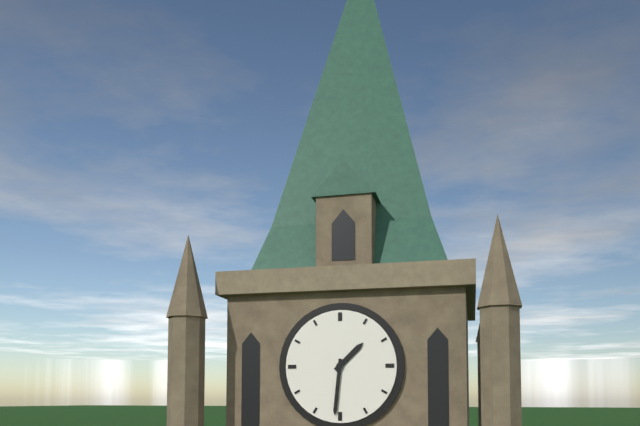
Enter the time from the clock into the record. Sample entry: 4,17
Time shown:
1,31
